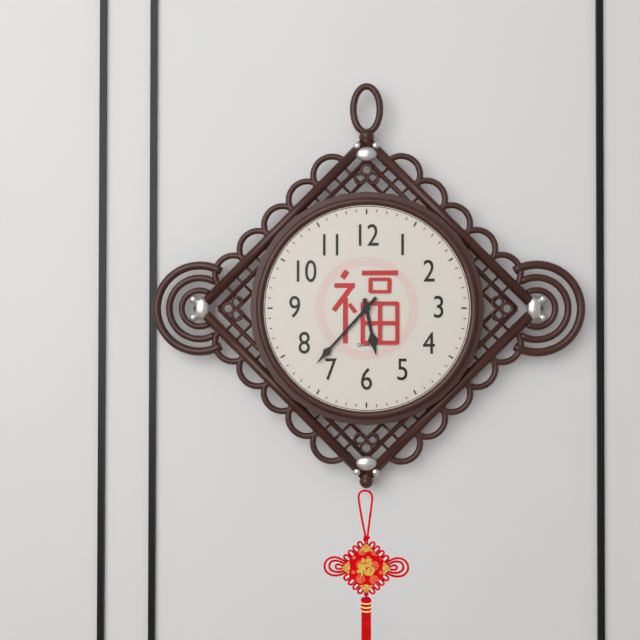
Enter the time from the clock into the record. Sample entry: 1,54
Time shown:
5,37
